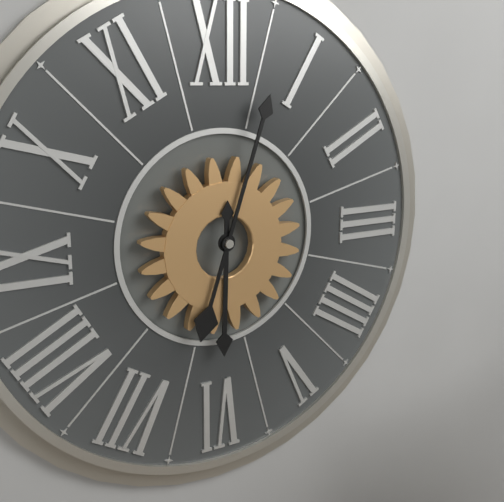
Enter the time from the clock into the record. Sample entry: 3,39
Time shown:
6,03
